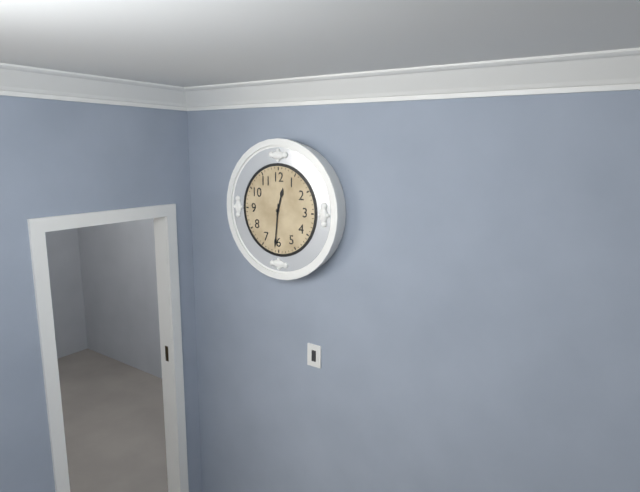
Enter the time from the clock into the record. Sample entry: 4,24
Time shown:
12,31
